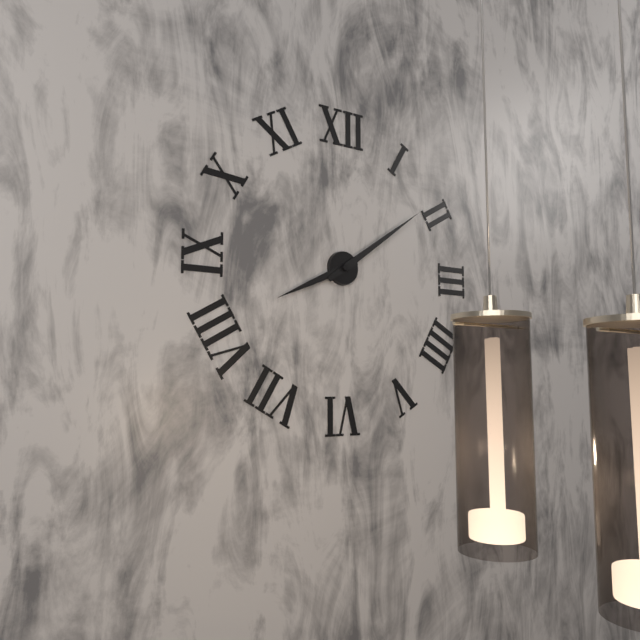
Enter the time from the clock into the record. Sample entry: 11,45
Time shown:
8,09
